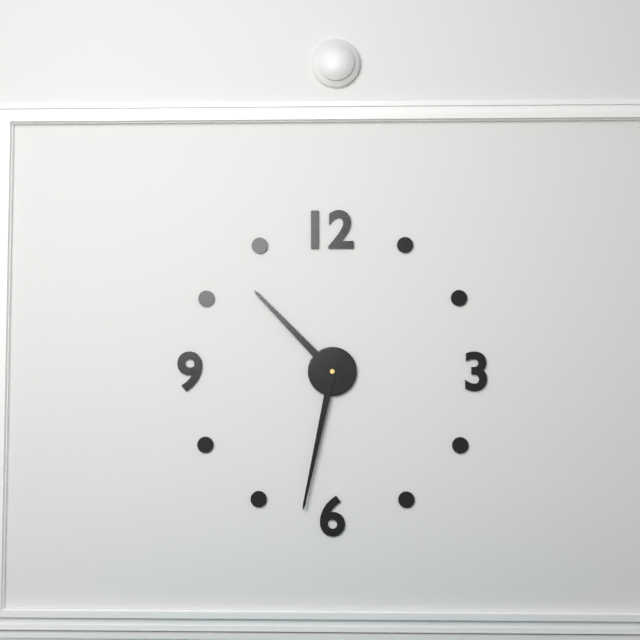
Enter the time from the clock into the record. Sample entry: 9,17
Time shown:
10,32
